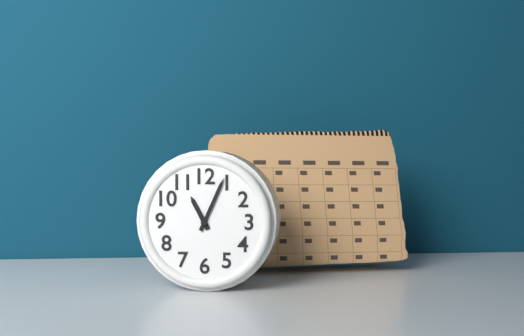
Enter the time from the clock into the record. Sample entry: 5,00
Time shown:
11,04
